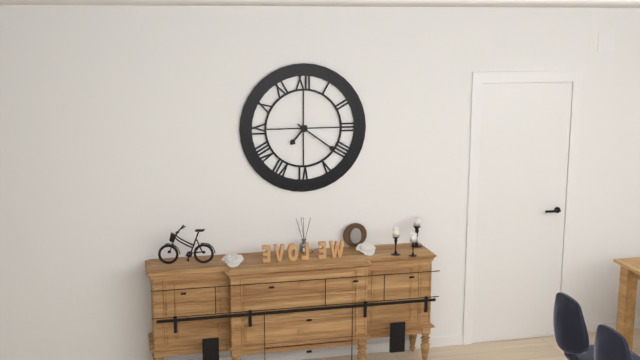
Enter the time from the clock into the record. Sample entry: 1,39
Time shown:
7,21
